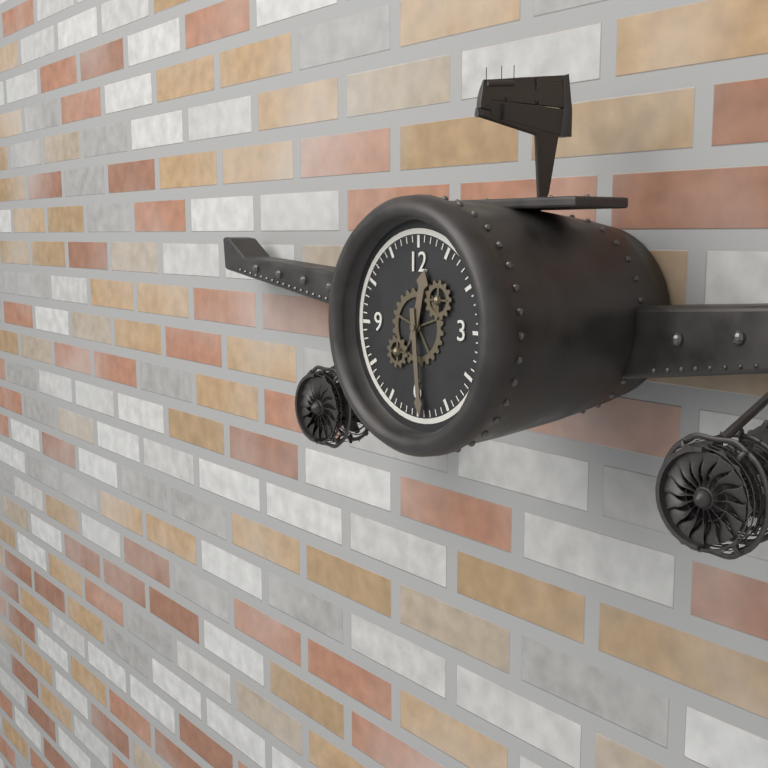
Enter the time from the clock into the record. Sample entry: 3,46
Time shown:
12,29
